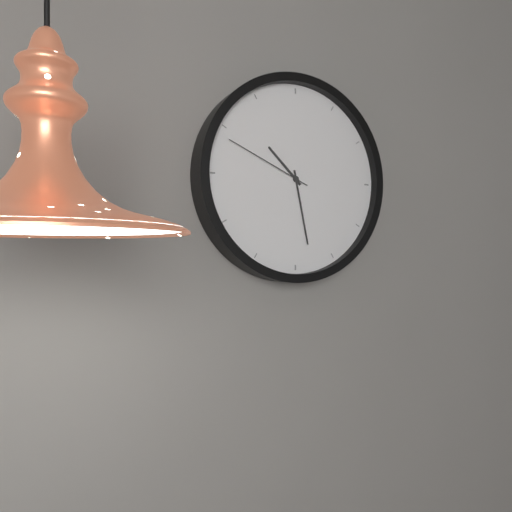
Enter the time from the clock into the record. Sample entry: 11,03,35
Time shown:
10,28,49
